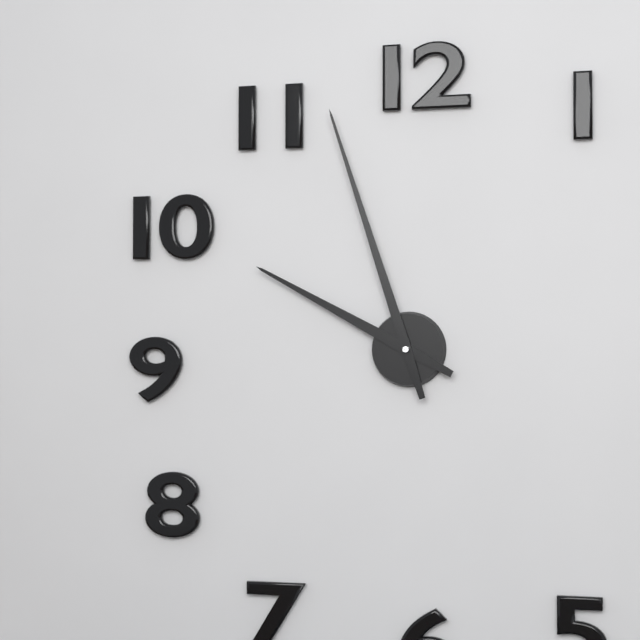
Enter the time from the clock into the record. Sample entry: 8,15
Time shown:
9,57
